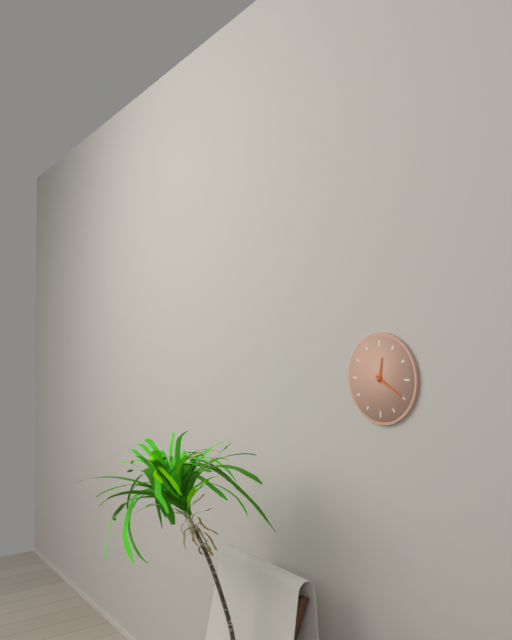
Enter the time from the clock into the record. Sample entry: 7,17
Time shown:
12,20
